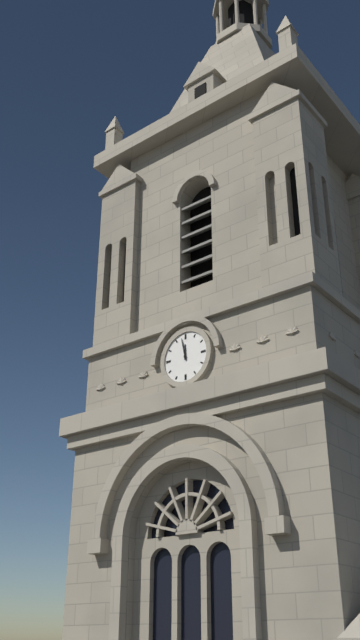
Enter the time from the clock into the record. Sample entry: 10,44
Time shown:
11,58
